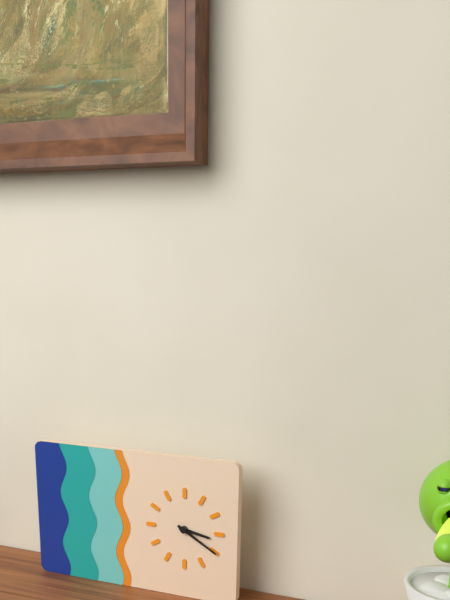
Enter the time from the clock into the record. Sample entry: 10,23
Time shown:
3,20
